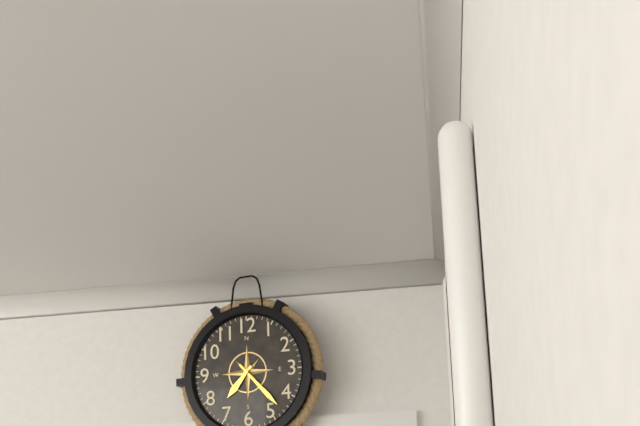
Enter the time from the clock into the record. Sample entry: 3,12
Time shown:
7,23
